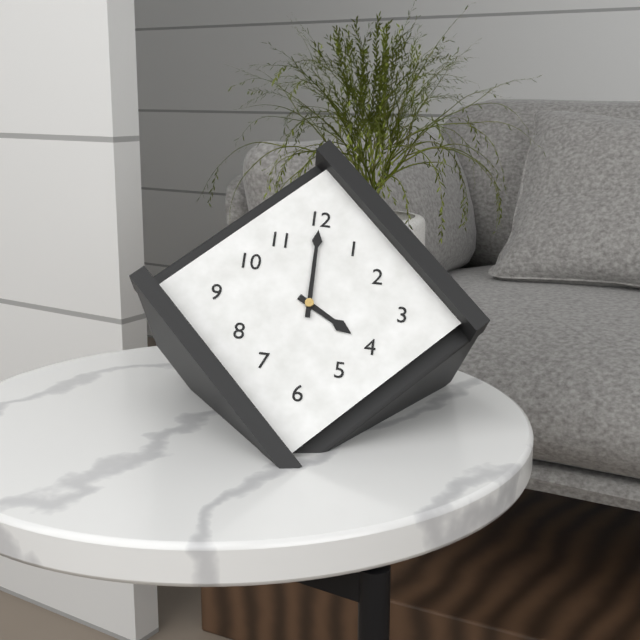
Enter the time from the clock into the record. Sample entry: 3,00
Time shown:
4,00
